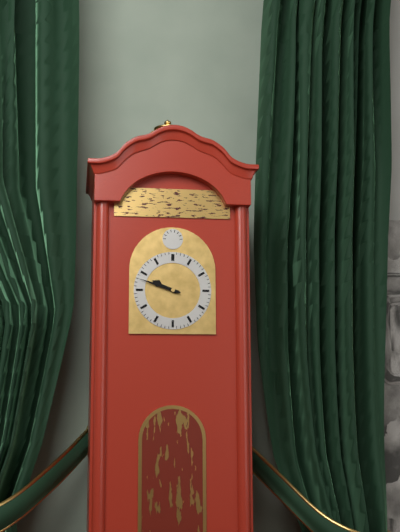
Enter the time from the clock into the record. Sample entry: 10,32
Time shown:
9,48
